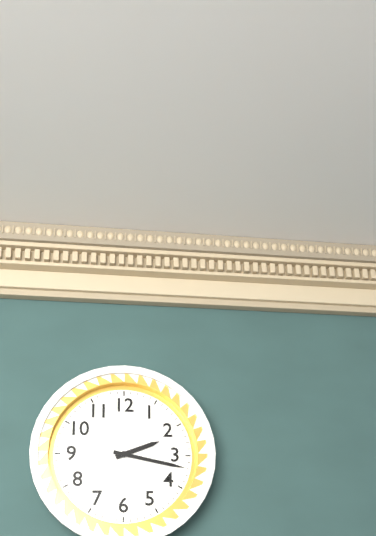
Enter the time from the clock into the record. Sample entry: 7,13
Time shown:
2,17
